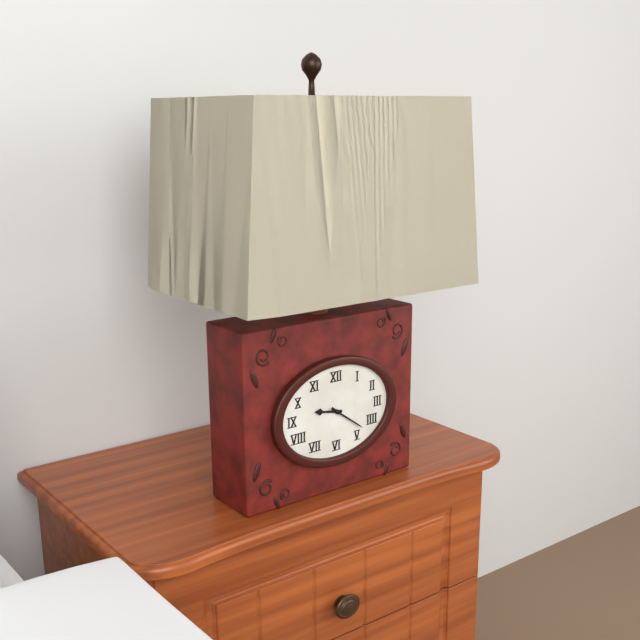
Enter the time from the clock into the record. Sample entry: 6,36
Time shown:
9,21
